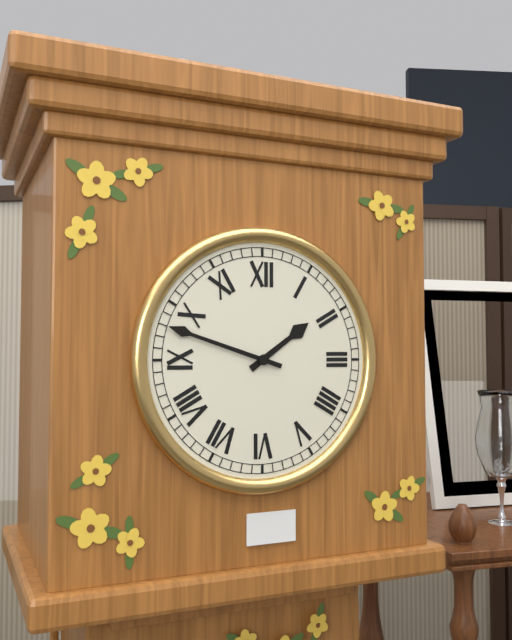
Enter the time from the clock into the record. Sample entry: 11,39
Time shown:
1,48
